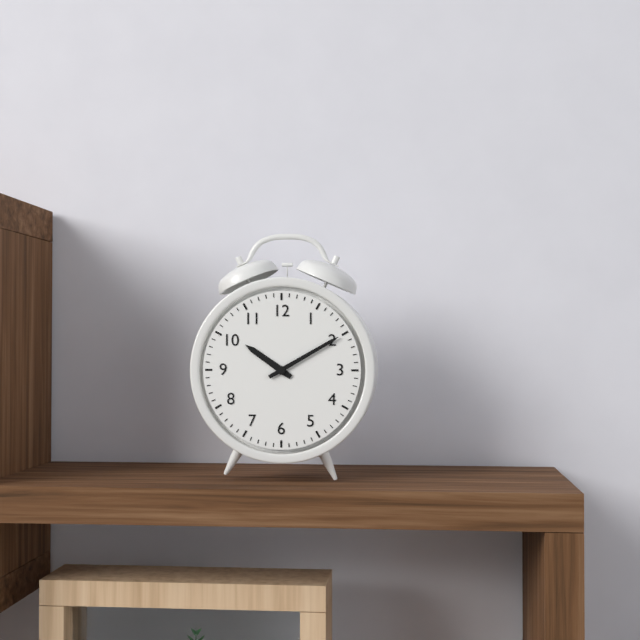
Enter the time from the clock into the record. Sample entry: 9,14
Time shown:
10,10
